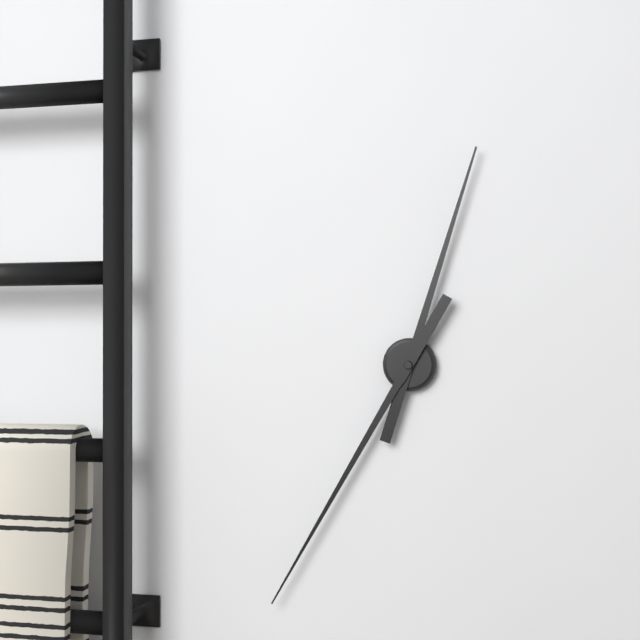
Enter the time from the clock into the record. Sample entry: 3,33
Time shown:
12,35
